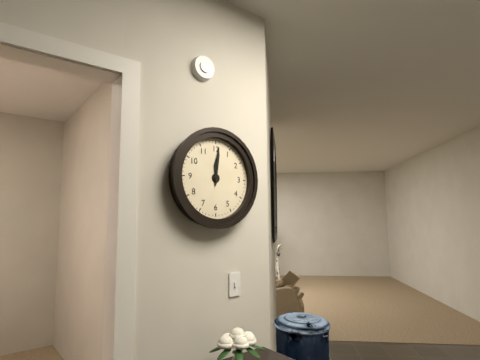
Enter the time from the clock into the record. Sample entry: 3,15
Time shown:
12,01
